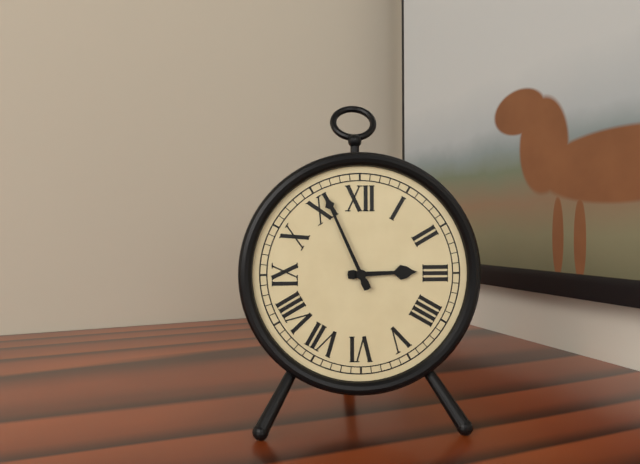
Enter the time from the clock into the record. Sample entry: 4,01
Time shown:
2,56
